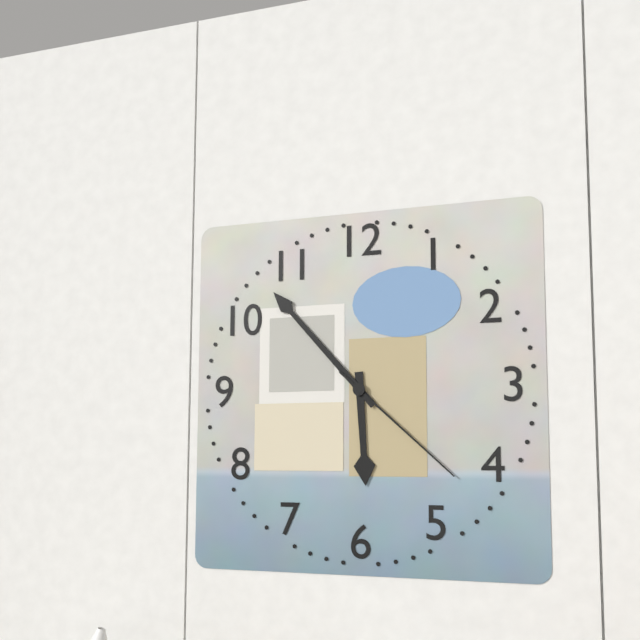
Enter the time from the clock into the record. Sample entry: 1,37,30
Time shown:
5,53,22
